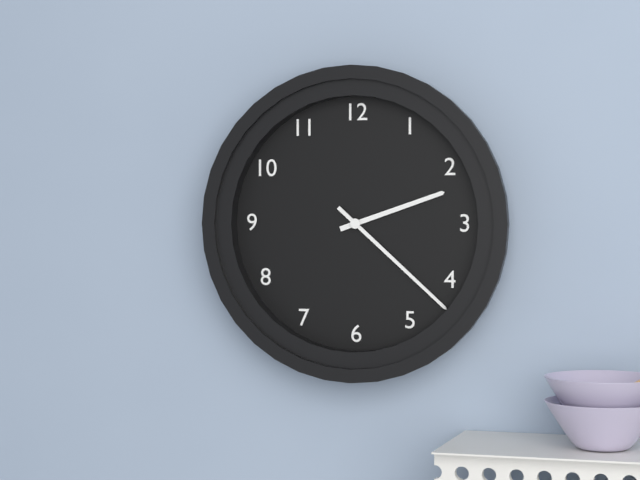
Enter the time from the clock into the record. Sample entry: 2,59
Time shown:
2,22
